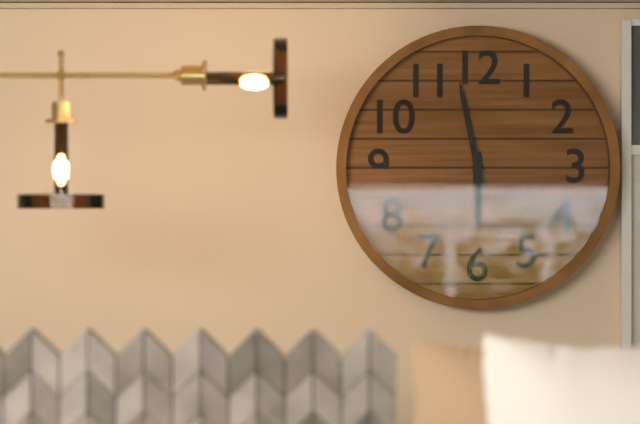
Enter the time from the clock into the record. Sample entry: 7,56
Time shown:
5,58
